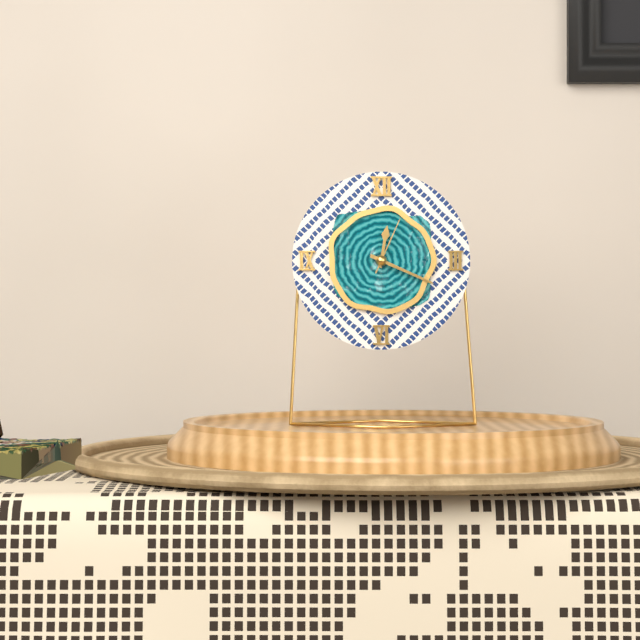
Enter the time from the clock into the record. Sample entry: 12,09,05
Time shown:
12,19,04
